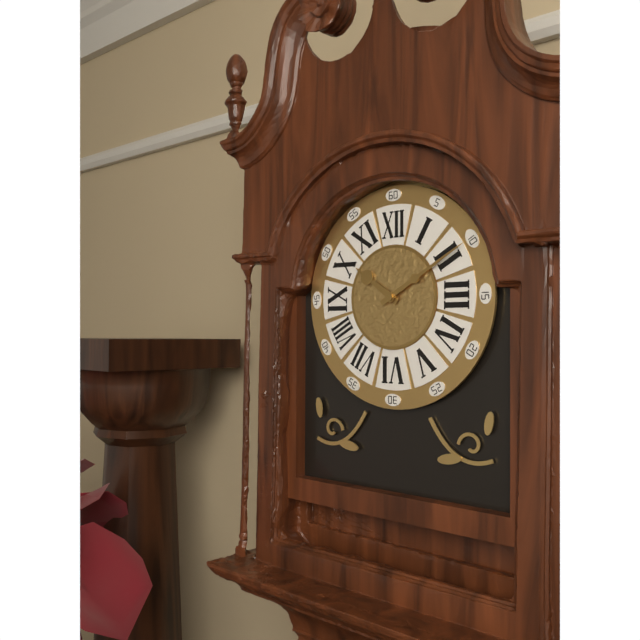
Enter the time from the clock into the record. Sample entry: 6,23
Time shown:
10,10
